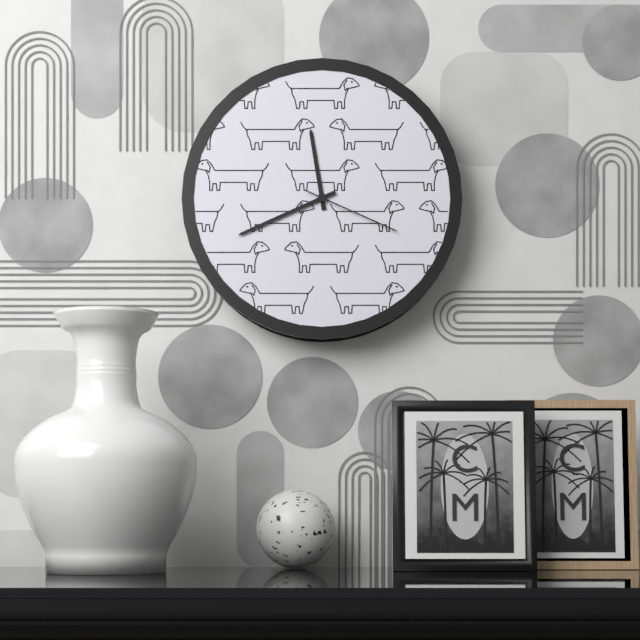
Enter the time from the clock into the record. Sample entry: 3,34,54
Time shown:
11,41,19
